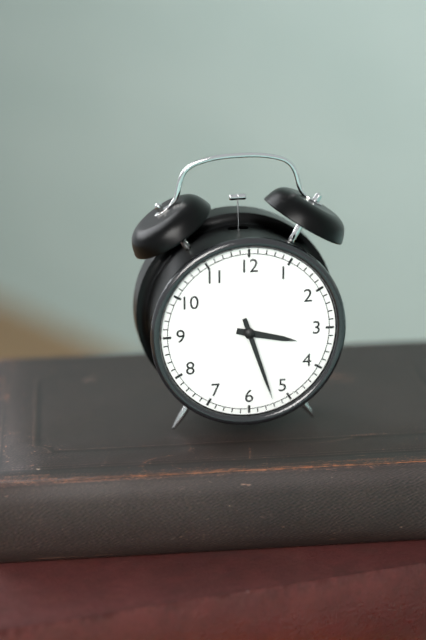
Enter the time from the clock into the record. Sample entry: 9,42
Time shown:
3,27
